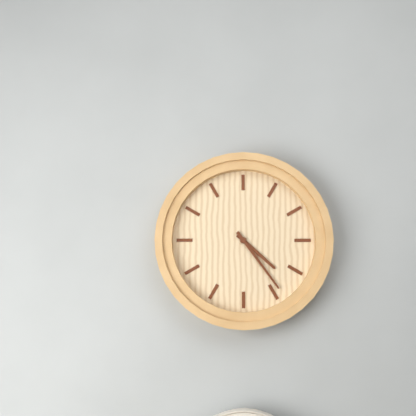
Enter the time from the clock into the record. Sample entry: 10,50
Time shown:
4,24
